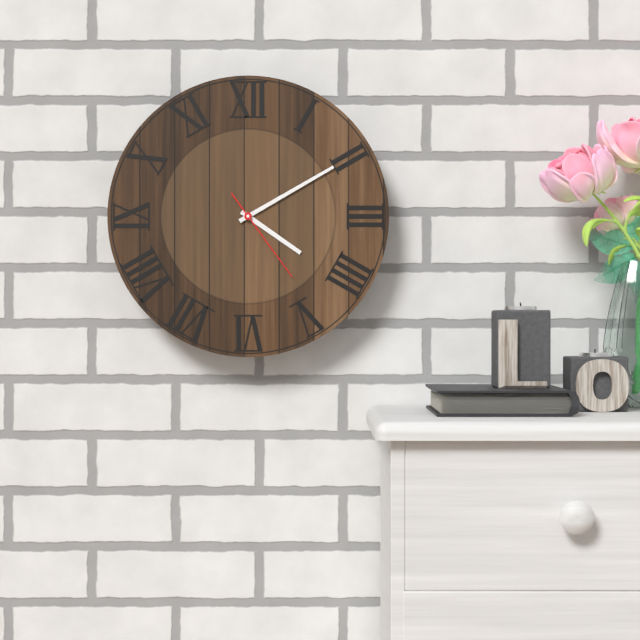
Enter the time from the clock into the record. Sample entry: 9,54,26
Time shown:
4,10,24
